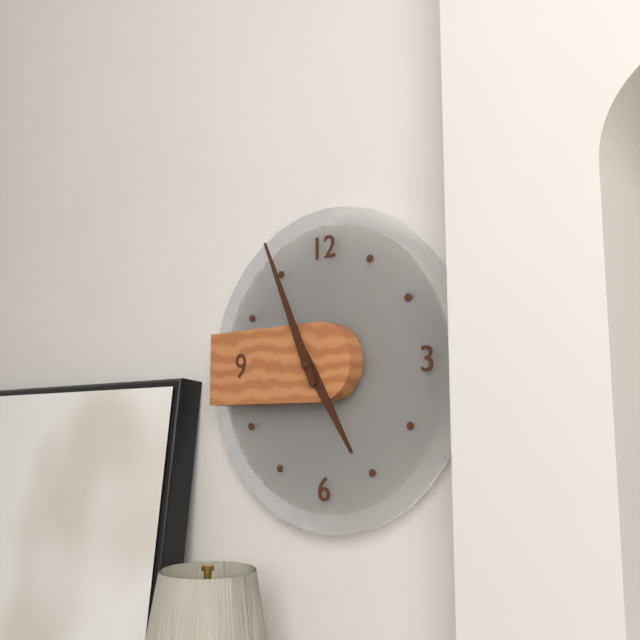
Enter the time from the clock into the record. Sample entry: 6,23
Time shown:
4,56
